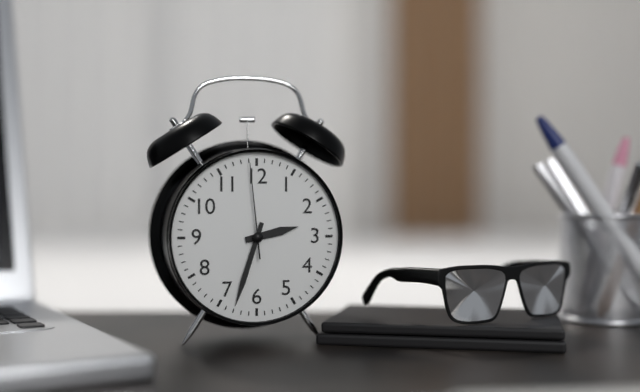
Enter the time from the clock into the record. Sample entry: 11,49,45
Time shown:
2,33,59
